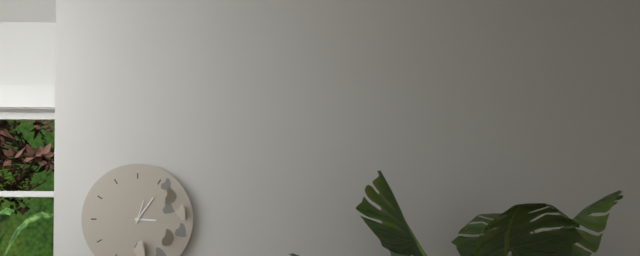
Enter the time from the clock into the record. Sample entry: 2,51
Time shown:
3,06
